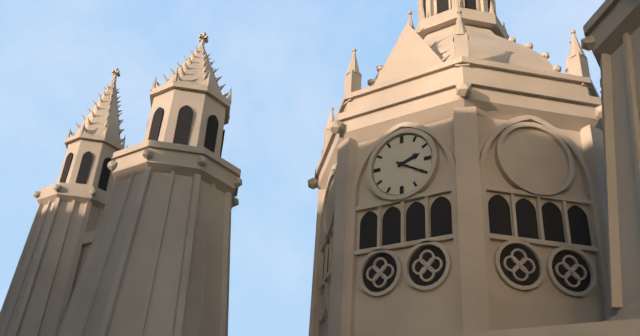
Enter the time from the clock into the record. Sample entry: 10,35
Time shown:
2,20
